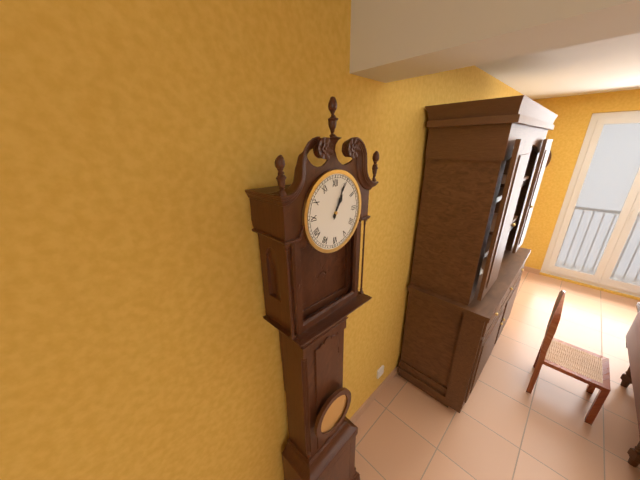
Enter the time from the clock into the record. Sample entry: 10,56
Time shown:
1,04
